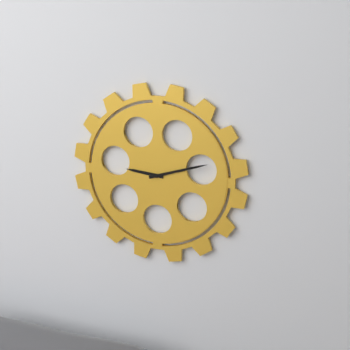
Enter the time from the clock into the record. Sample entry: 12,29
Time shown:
9,12
